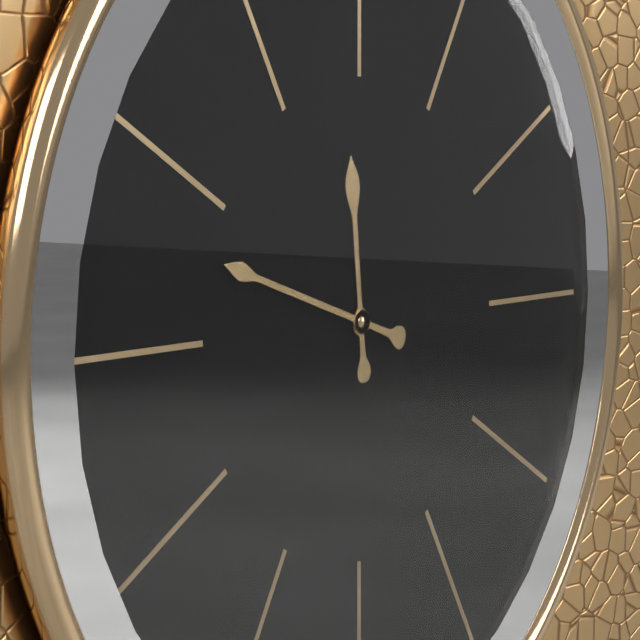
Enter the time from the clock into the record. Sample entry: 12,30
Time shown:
11,48
